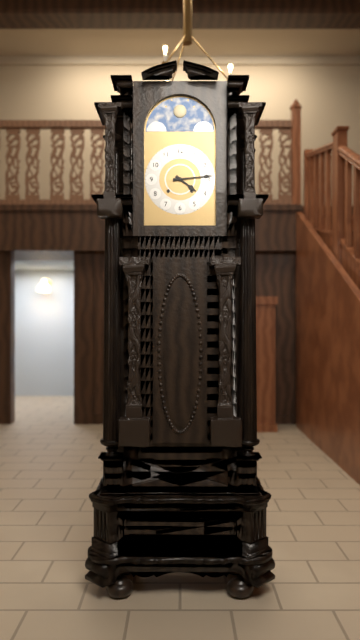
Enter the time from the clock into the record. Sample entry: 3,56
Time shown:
4,14
